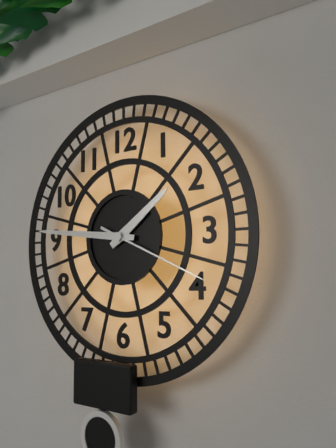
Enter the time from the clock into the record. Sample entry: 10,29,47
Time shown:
1,46,19
